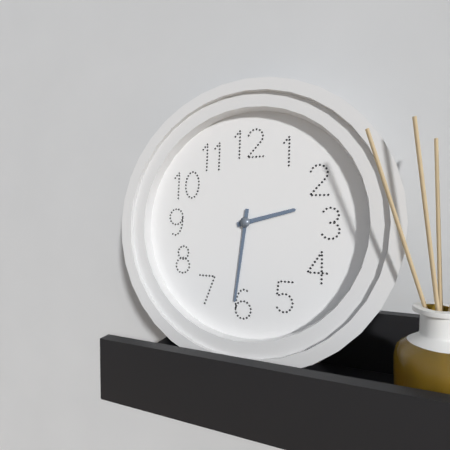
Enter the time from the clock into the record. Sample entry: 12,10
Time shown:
2,31
